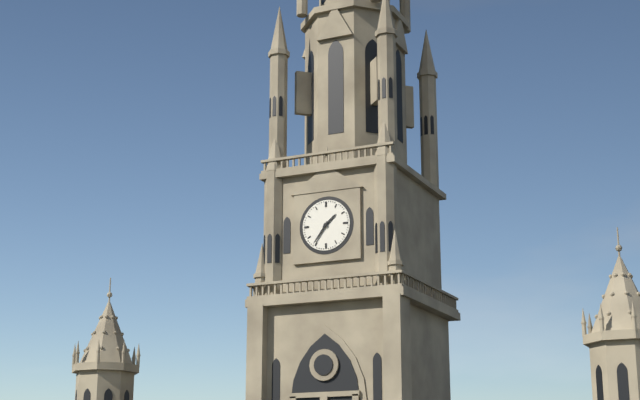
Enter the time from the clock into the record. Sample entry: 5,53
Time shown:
1,36
